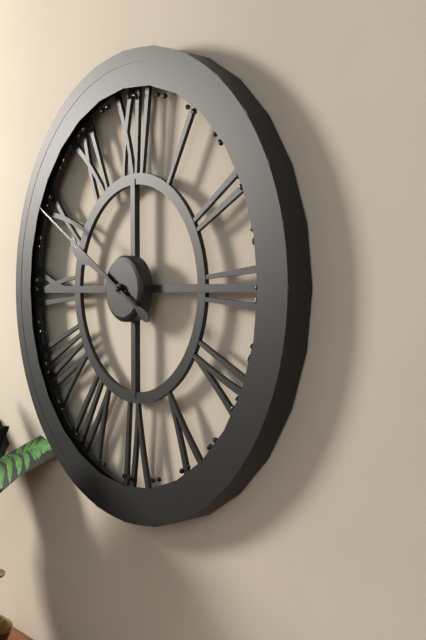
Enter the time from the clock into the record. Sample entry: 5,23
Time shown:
9,50
